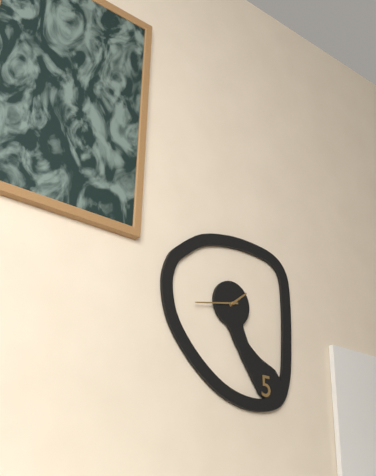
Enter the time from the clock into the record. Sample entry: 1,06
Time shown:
1,43
